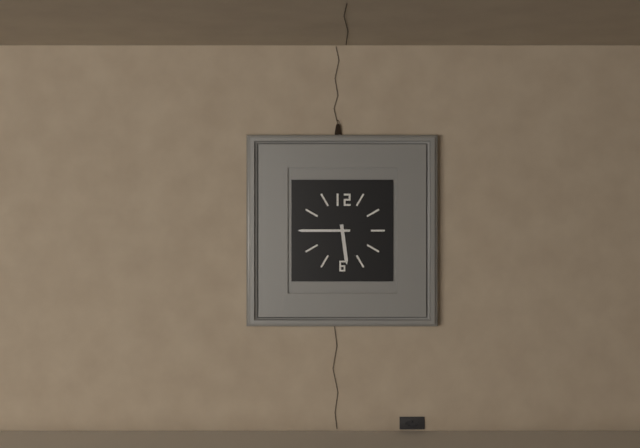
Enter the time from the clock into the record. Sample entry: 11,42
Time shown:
5,45
